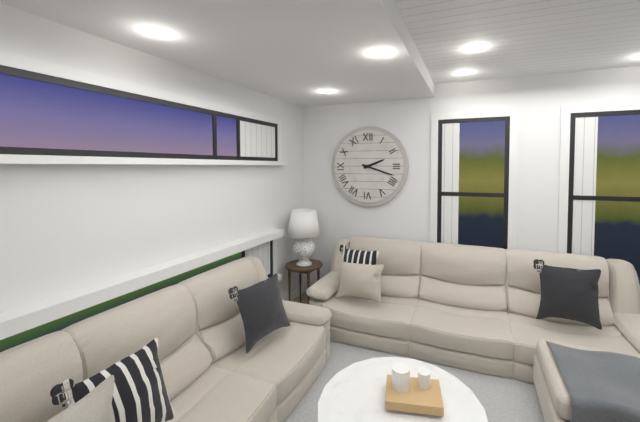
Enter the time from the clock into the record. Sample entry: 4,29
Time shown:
2,18
